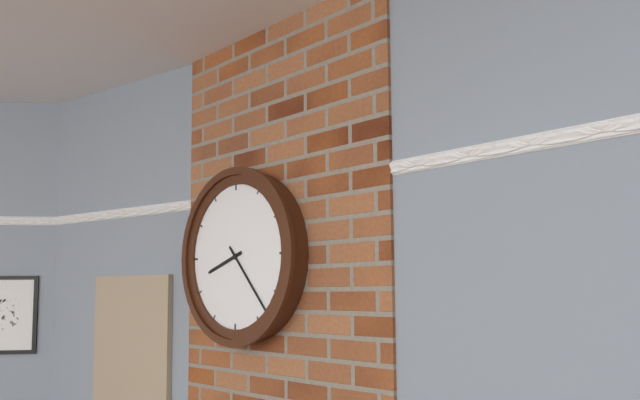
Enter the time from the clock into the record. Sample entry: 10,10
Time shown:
8,23
